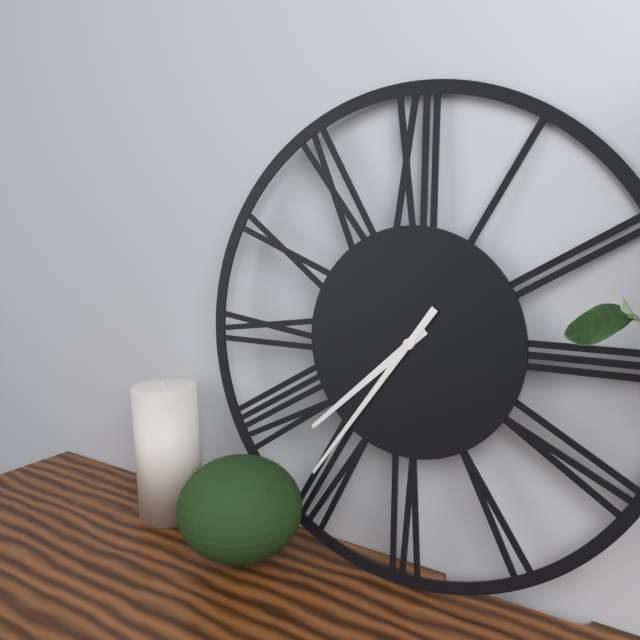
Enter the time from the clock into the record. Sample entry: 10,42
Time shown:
7,36
